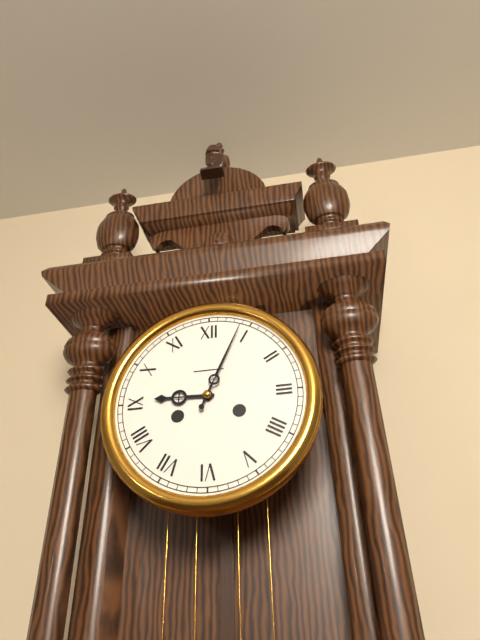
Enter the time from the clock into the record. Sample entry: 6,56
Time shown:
9,04
